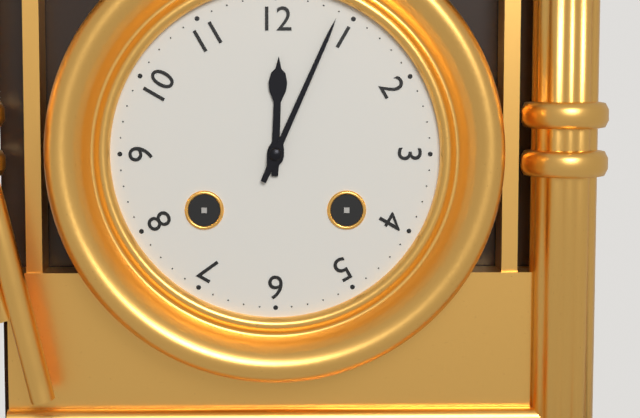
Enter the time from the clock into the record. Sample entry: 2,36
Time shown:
12,04
